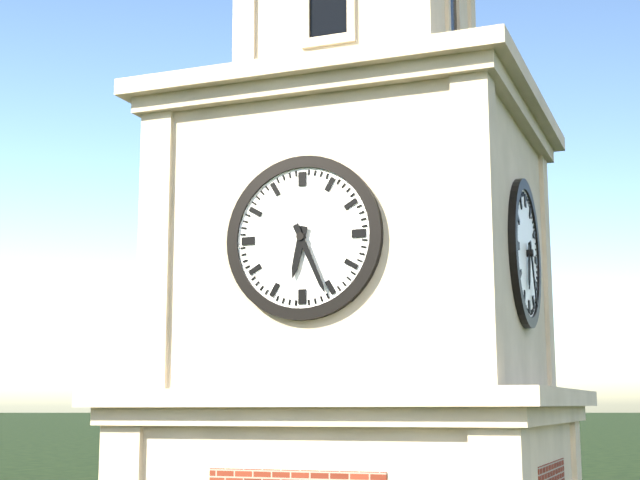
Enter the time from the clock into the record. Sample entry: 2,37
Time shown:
6,26
